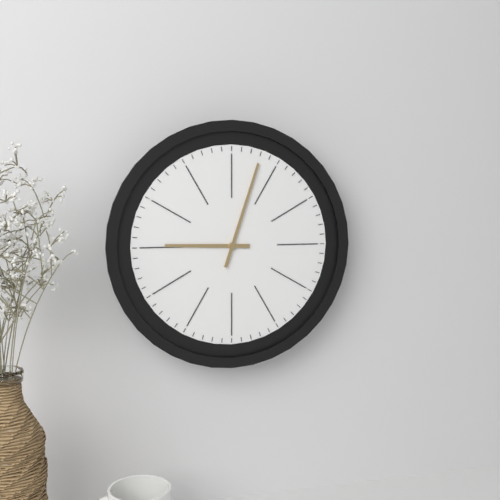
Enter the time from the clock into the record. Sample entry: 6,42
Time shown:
9,03
